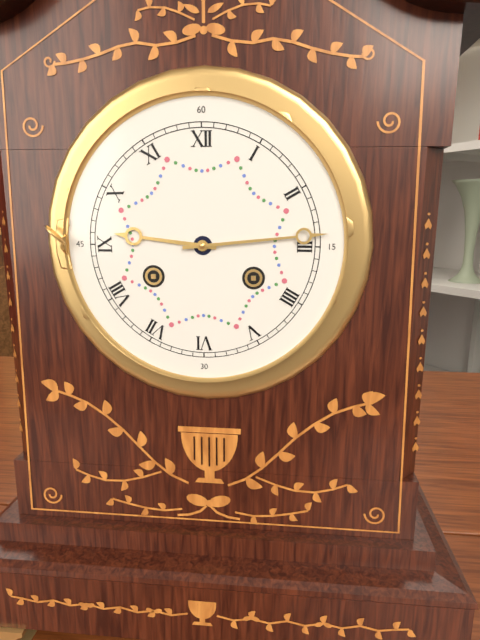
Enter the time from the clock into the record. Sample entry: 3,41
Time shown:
9,14
